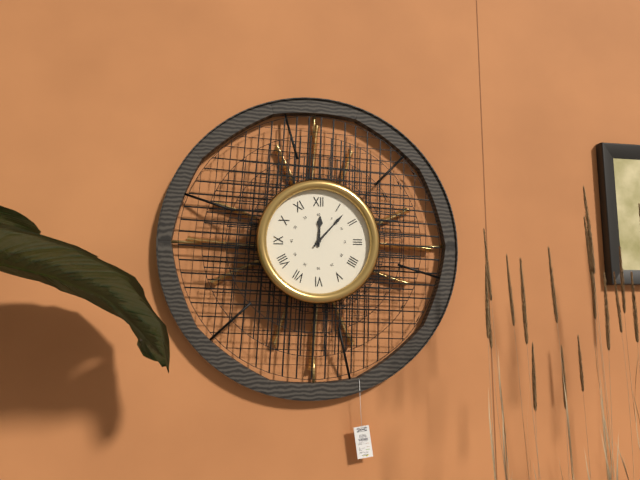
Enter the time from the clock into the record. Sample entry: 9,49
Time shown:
12,07
